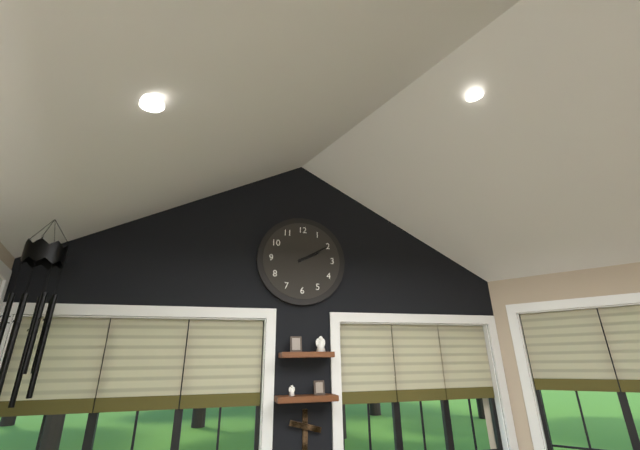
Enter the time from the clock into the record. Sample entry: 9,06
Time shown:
2,10
